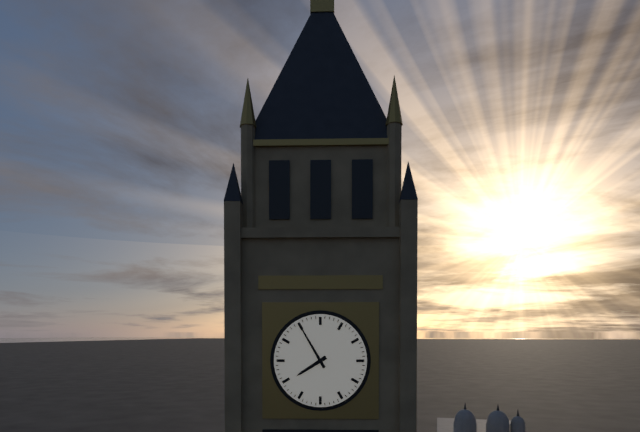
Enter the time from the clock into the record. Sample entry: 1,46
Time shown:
7,55
